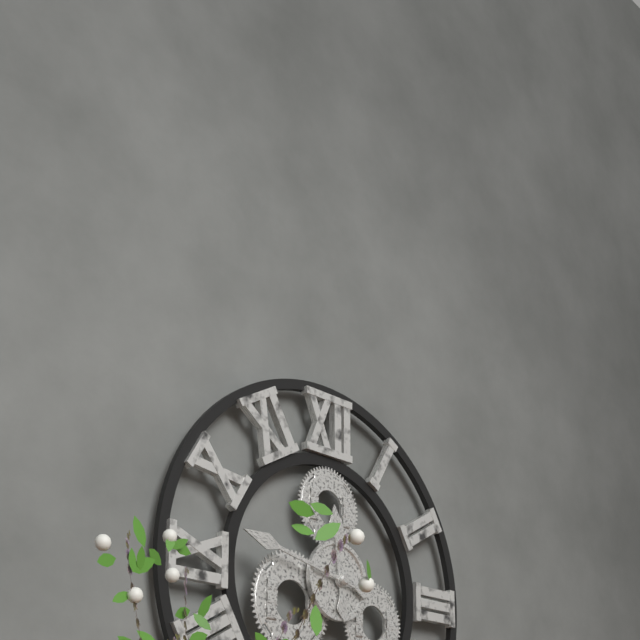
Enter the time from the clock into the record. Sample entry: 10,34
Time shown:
11,47
